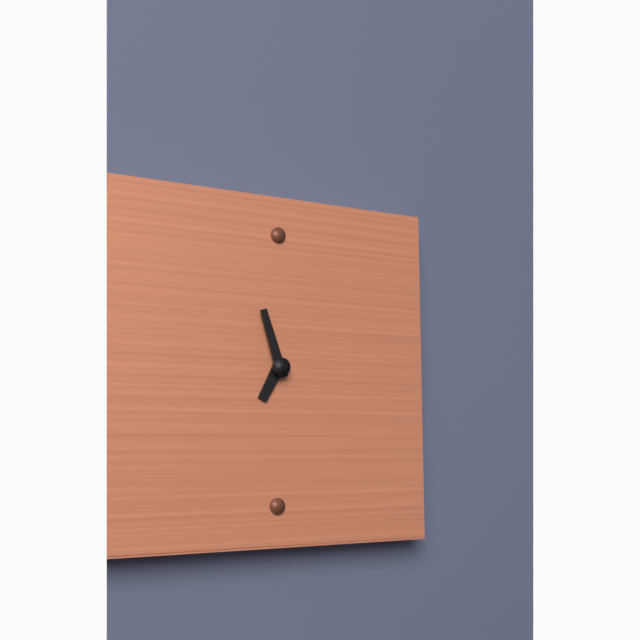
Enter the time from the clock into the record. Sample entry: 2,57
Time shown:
6,57
